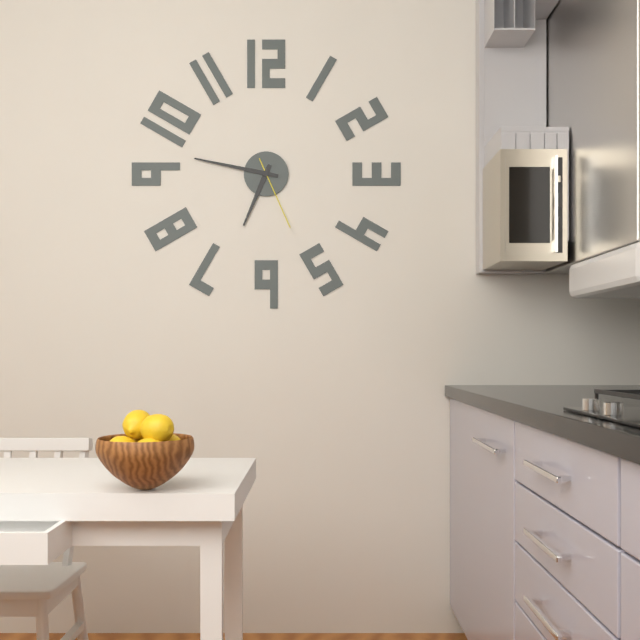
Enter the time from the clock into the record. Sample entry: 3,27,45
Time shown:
6,47,26
